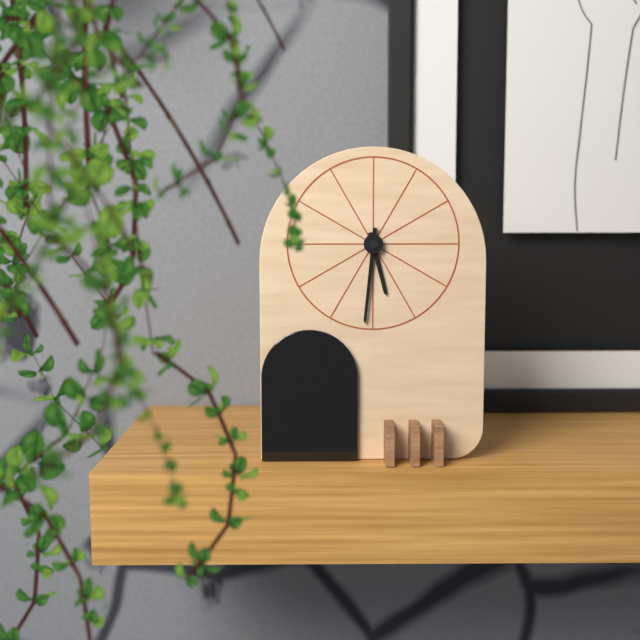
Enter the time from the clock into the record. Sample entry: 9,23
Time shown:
5,31
